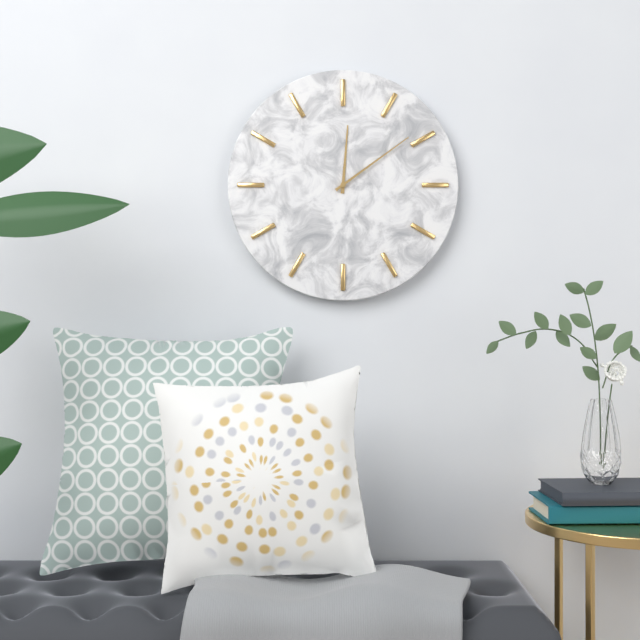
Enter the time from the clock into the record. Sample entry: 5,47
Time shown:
12,09
